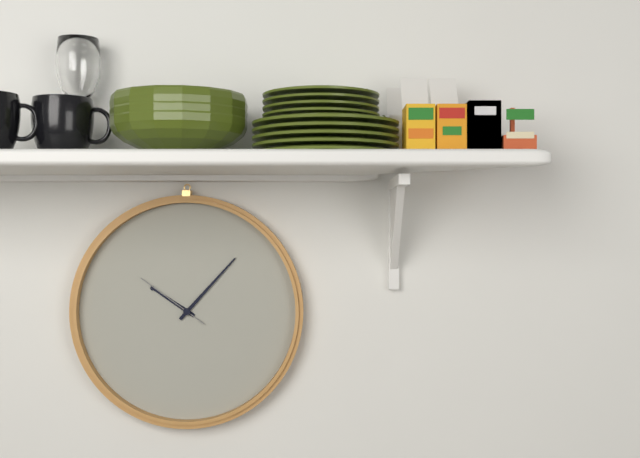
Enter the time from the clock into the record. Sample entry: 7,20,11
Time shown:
10,07,51
